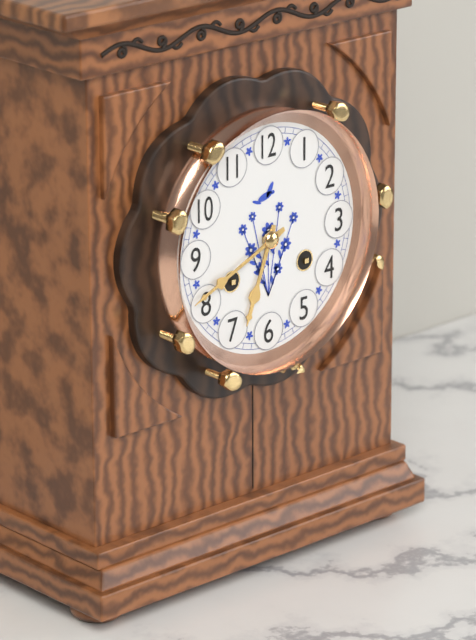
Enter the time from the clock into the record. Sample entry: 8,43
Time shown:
6,41
